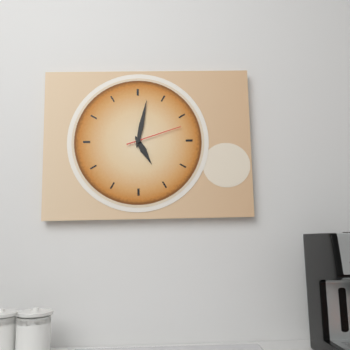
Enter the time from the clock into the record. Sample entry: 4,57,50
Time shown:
5,02,12
